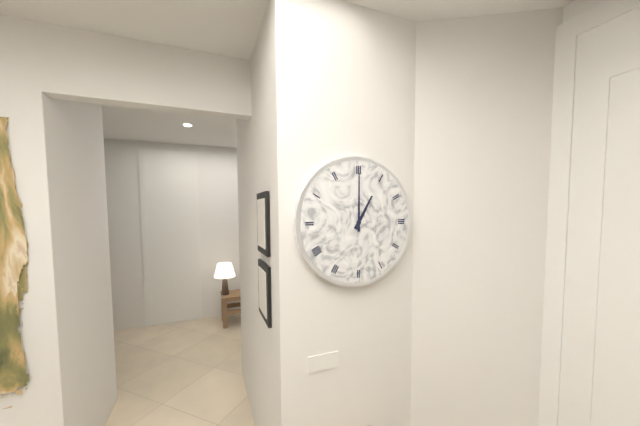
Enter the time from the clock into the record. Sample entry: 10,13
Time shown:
1,00
